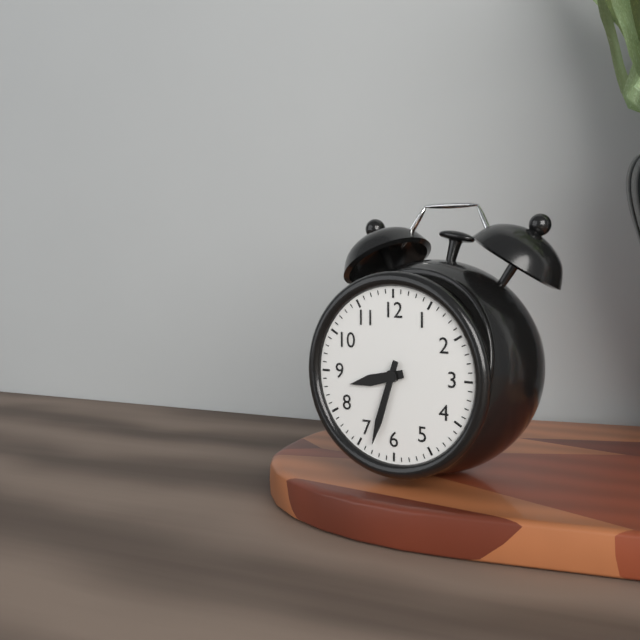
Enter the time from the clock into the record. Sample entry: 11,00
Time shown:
8,33
